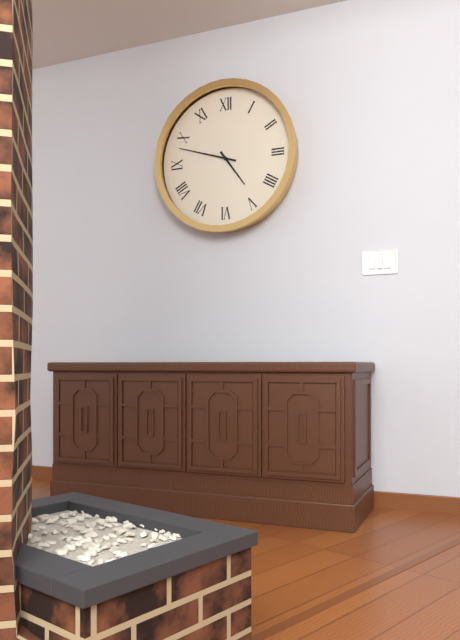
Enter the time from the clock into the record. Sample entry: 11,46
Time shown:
4,48
